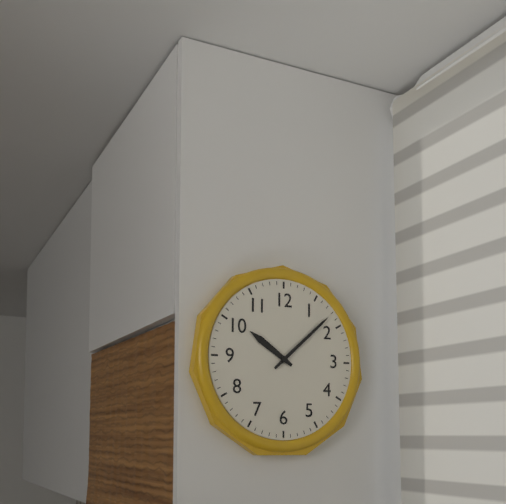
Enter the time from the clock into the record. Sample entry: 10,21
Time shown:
10,08
